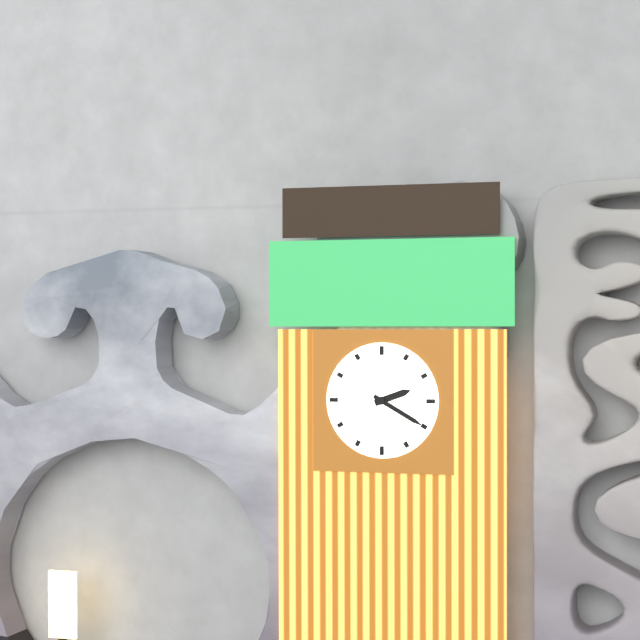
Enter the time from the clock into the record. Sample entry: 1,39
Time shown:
2,20
